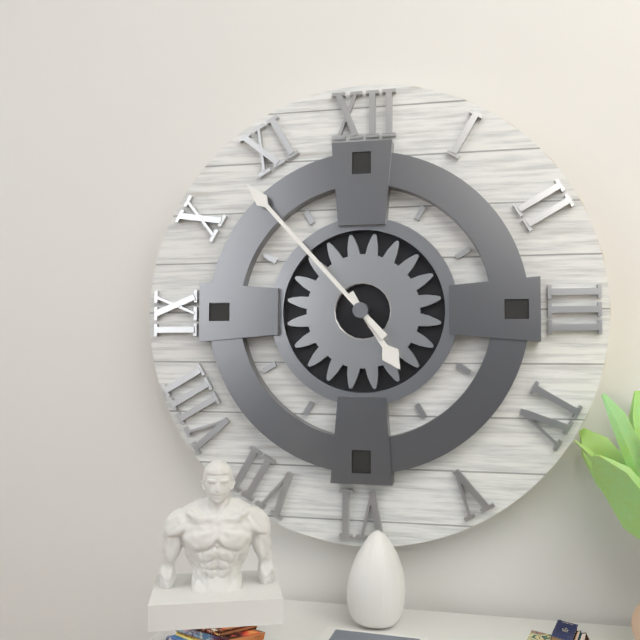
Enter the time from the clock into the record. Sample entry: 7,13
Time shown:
4,53
